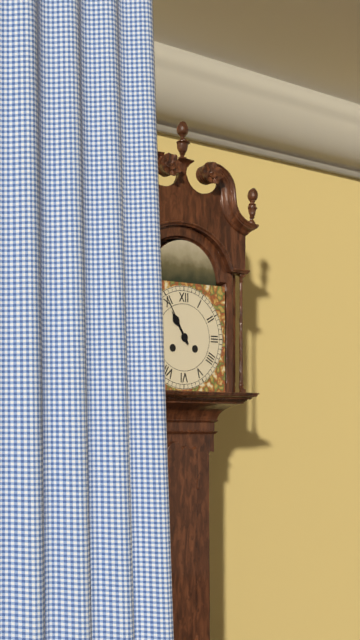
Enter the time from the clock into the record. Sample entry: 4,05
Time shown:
10,55
